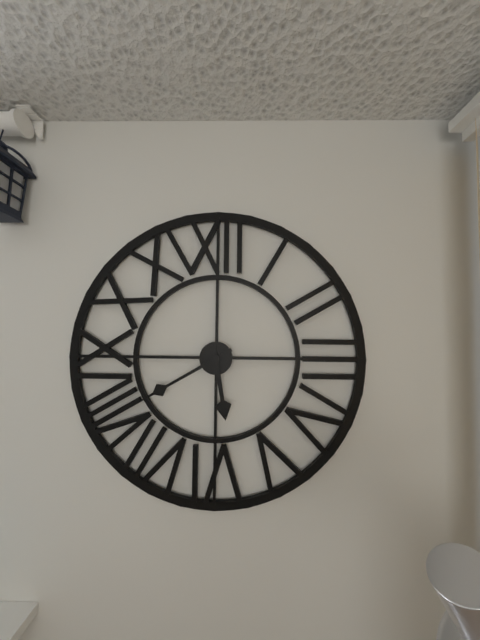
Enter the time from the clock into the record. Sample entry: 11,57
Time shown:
5,40
